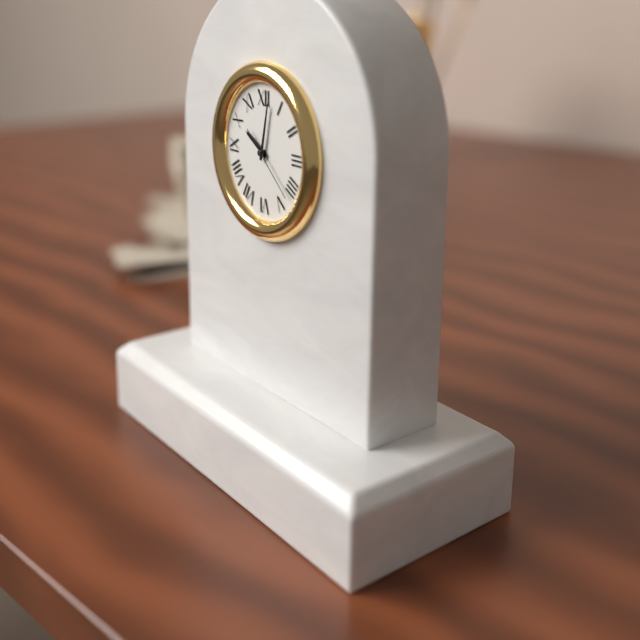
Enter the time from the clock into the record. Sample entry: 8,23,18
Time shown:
10,02,22
